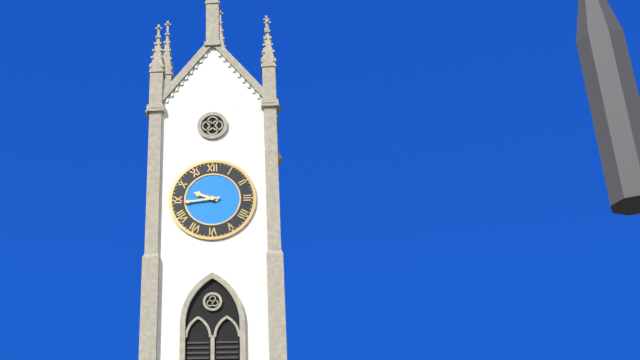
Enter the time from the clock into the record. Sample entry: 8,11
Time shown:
9,44
